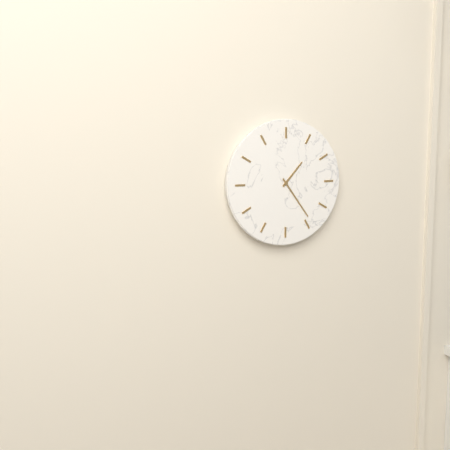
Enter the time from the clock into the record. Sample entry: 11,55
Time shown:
1,24
